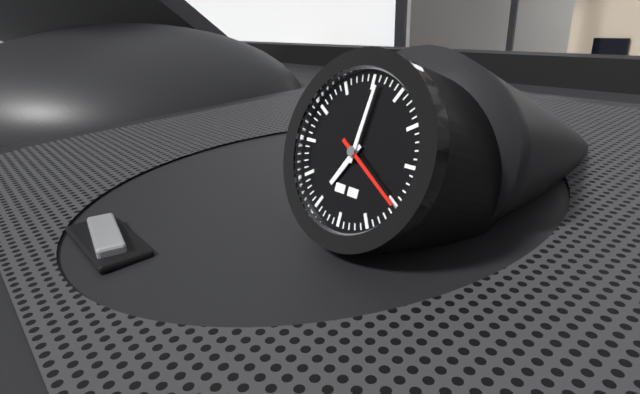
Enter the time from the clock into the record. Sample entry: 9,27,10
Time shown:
7,01,20
